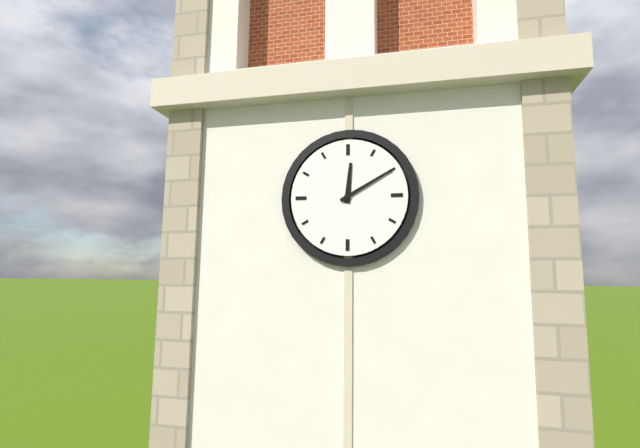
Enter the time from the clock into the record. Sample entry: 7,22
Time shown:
12,10
